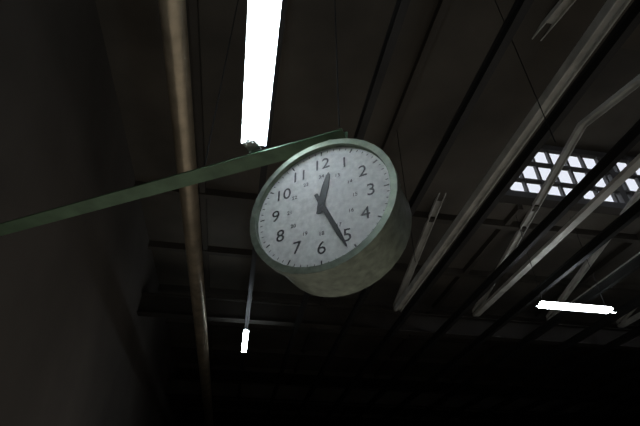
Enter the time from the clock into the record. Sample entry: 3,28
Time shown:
12,26
